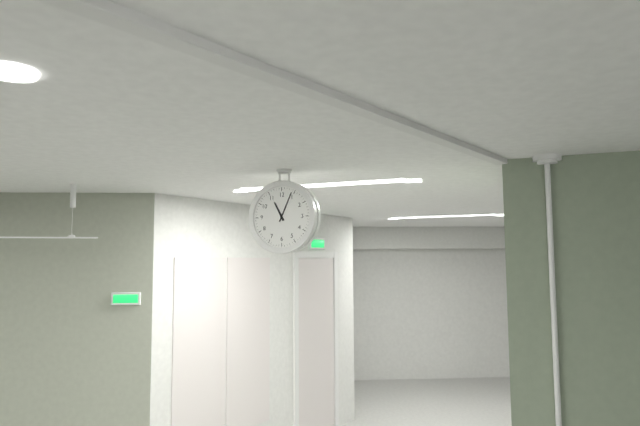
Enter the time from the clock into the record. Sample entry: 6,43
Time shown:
11,04
